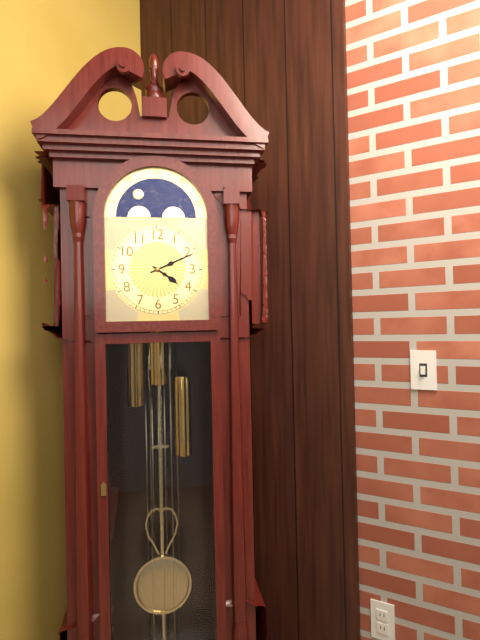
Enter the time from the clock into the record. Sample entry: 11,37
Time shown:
4,11
